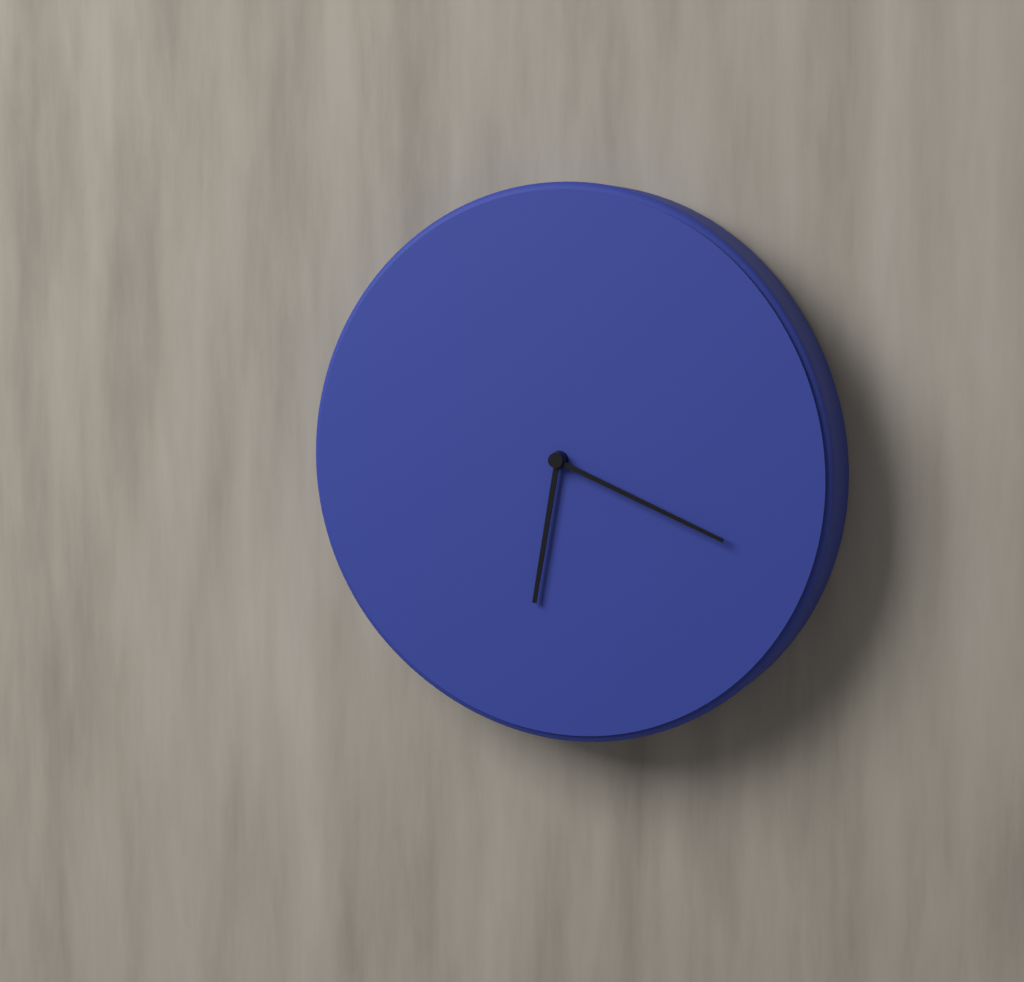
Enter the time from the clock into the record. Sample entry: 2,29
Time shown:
6,19
